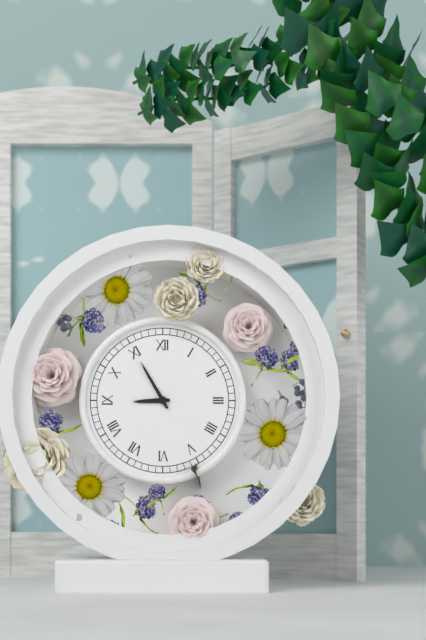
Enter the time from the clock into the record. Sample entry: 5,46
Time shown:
8,55
